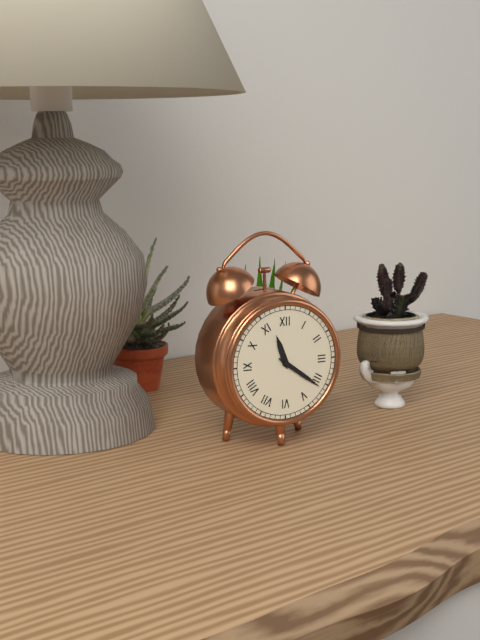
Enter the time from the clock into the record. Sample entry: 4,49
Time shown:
11,21
